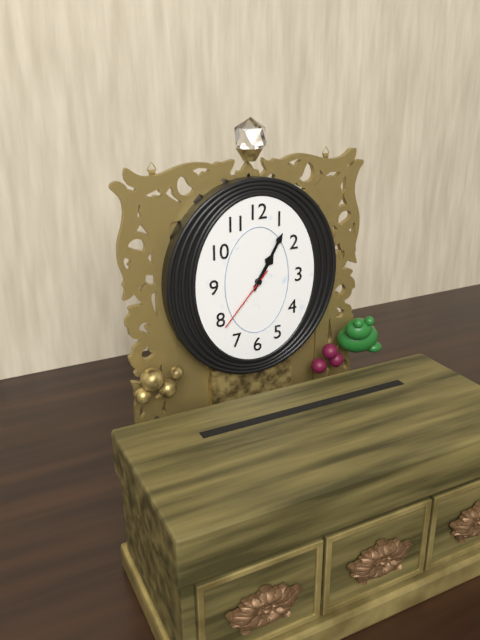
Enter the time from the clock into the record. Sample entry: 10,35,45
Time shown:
1,05,37
